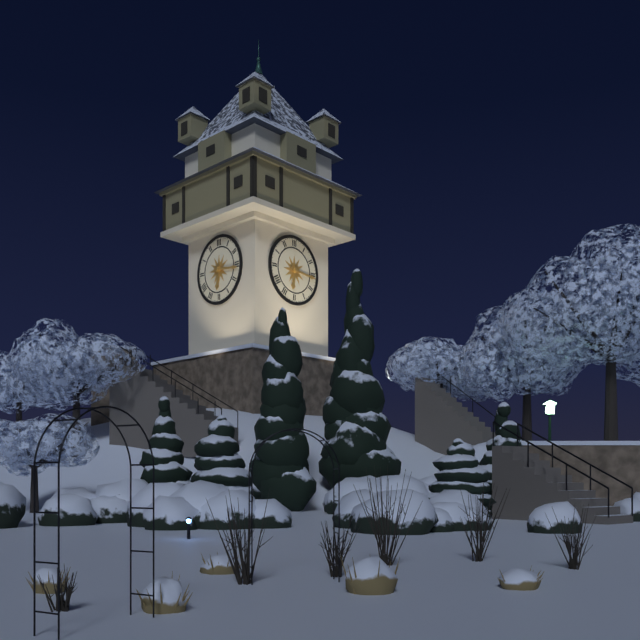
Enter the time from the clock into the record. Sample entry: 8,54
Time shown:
6,16
